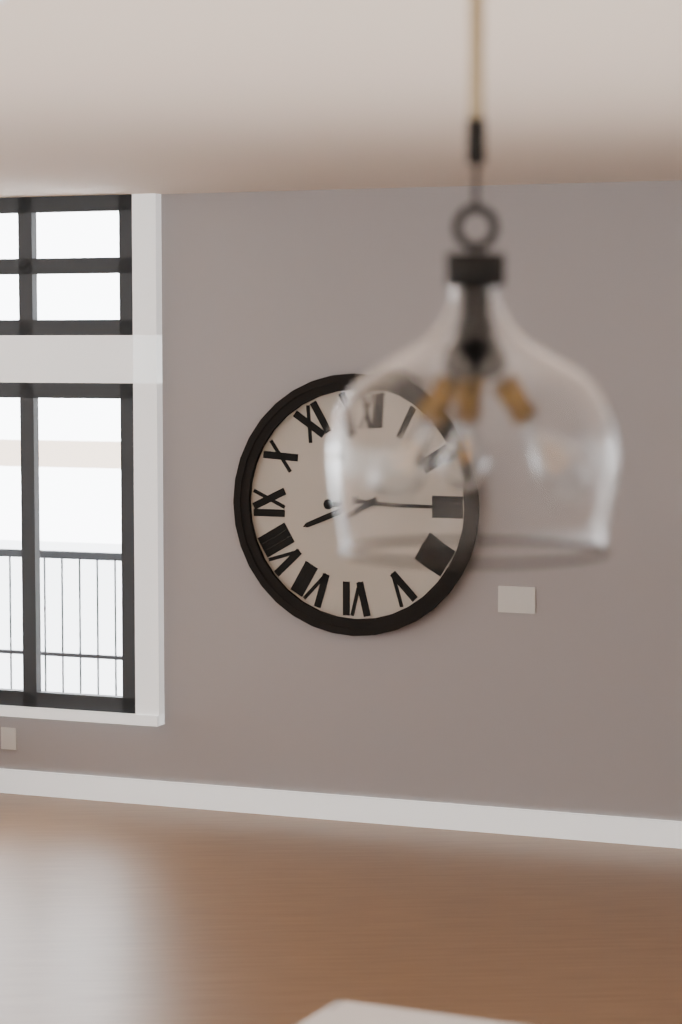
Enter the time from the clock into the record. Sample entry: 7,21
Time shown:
8,15
